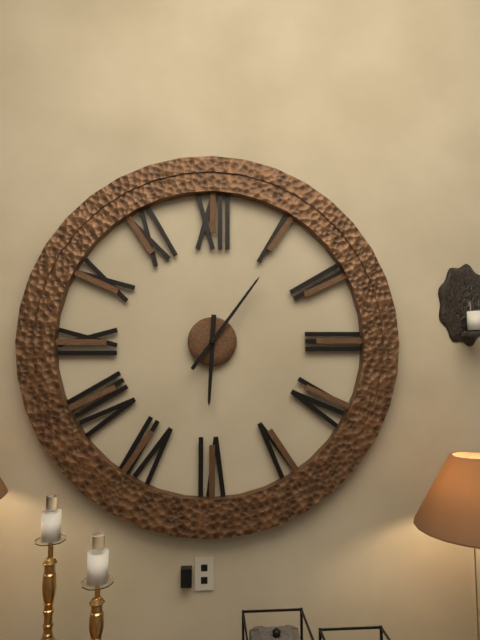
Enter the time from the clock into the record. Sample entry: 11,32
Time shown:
6,06
